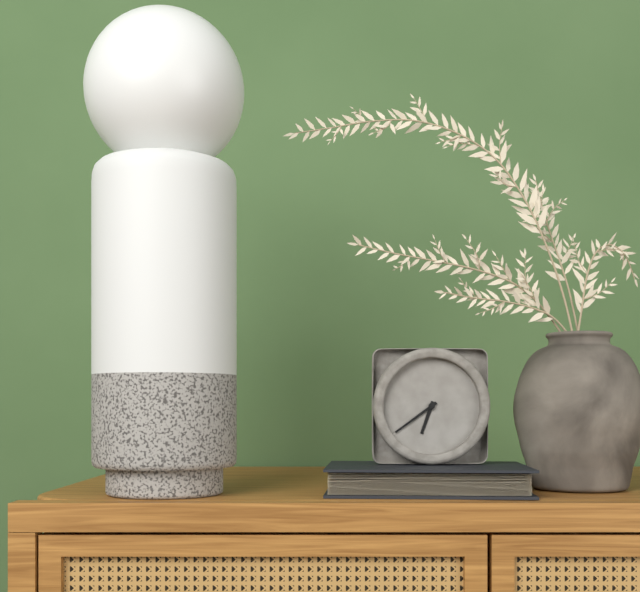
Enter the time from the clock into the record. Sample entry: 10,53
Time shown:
6,39
